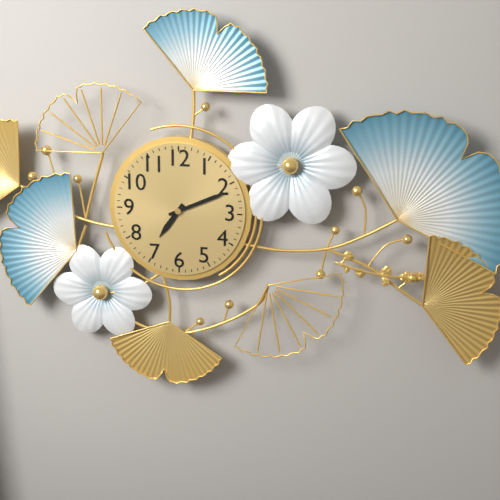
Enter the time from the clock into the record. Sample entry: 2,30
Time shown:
7,11
